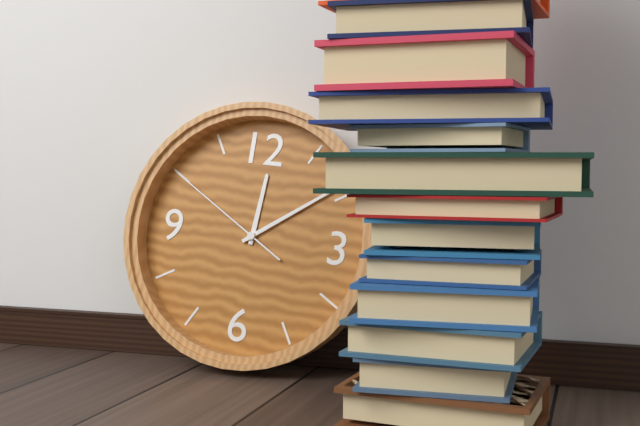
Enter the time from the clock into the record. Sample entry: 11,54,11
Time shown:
12,09,50
